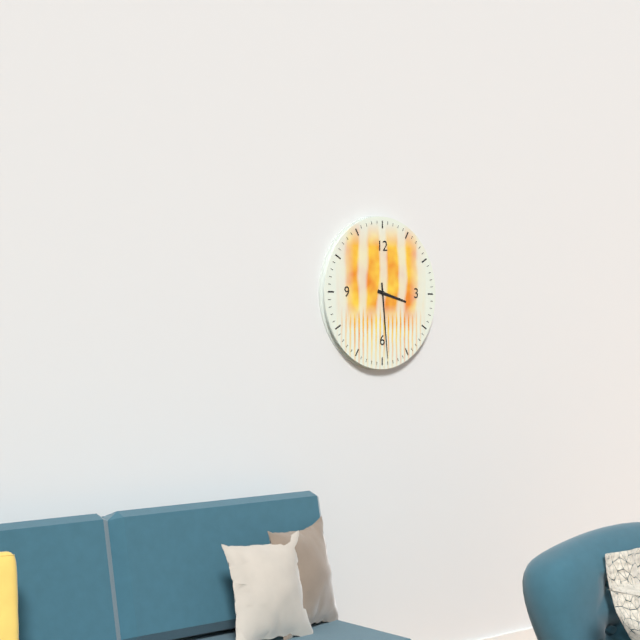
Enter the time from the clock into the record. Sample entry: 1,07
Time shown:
3,29
